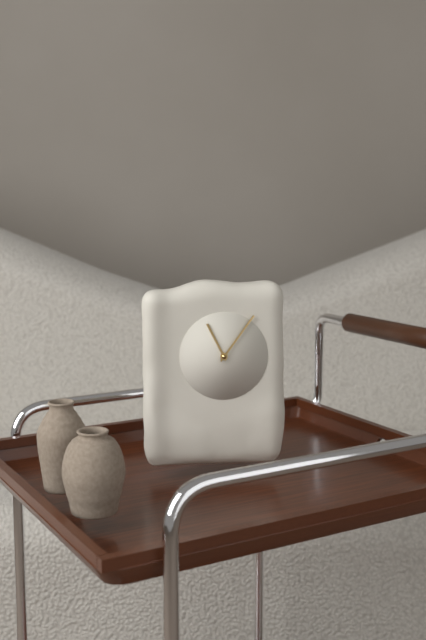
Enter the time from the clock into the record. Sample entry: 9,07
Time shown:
11,06
